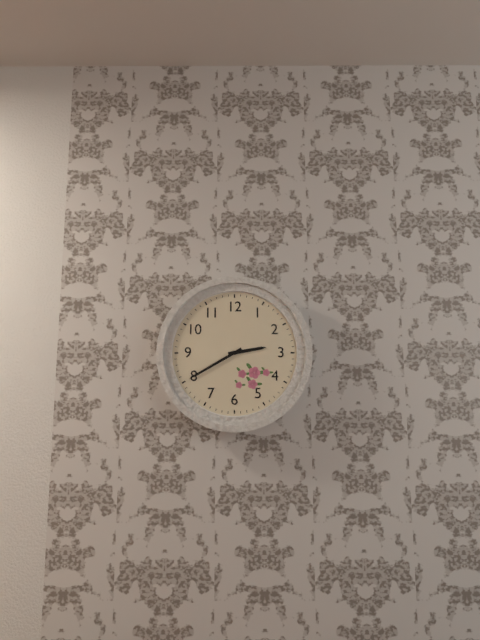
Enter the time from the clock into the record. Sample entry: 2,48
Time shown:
2,40
